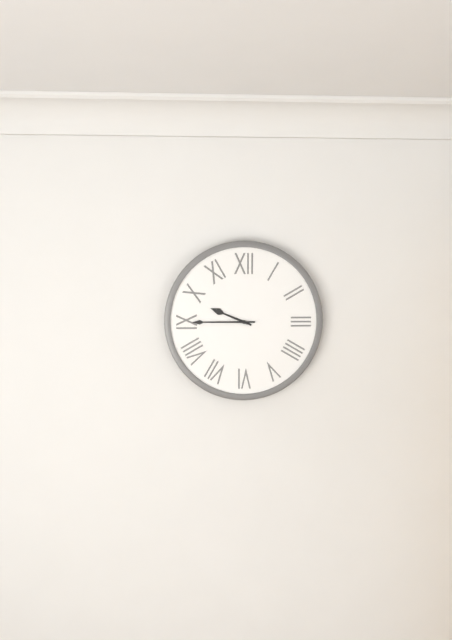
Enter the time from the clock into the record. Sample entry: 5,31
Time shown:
9,45
